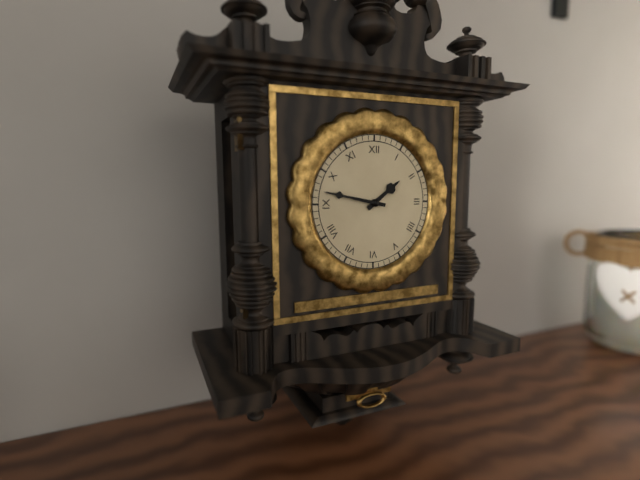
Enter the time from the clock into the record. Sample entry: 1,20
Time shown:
1,47
